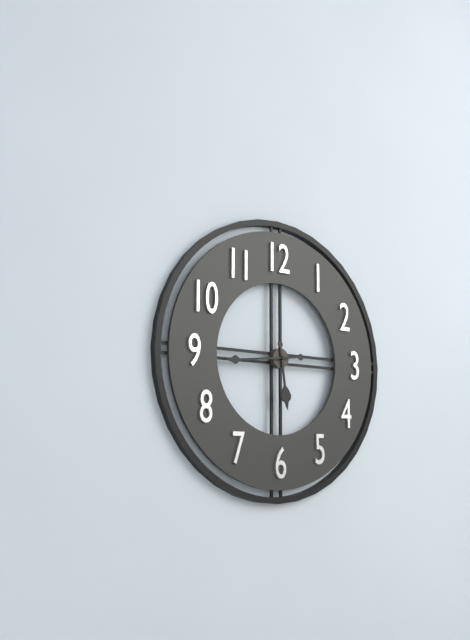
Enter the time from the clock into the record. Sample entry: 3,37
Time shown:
5,44
